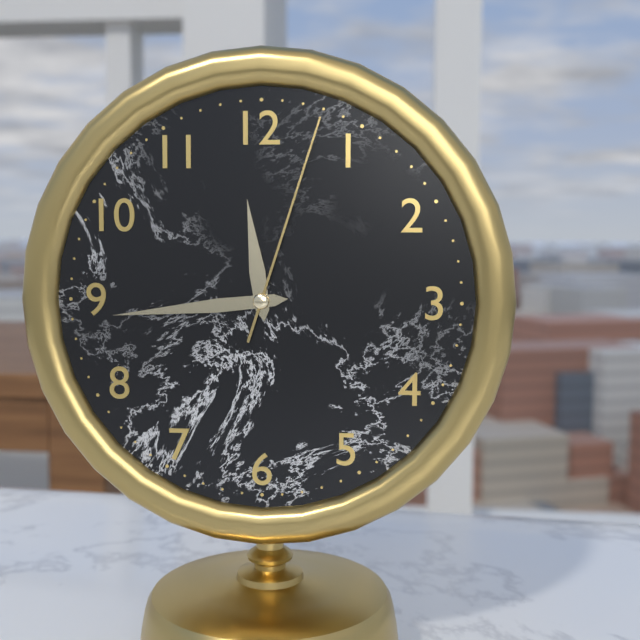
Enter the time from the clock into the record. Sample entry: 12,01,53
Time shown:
11,44,03
